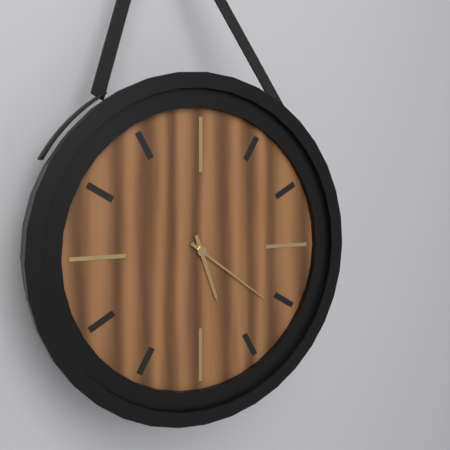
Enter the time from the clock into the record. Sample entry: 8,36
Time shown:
5,21
